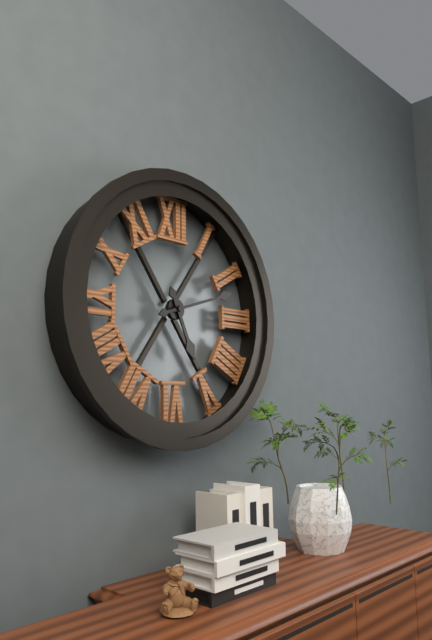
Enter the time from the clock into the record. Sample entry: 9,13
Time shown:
5,12
